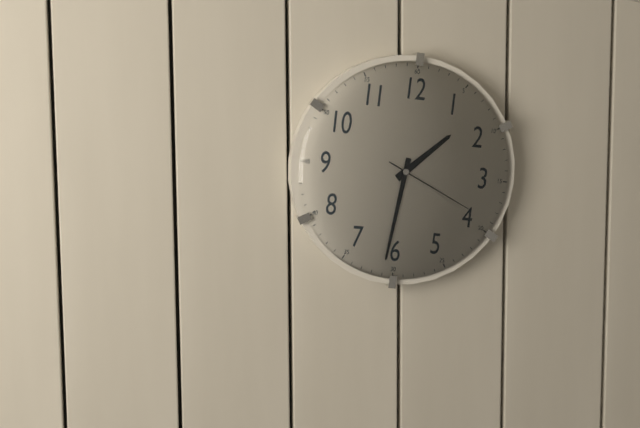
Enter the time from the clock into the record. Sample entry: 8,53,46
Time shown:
1,31,19
